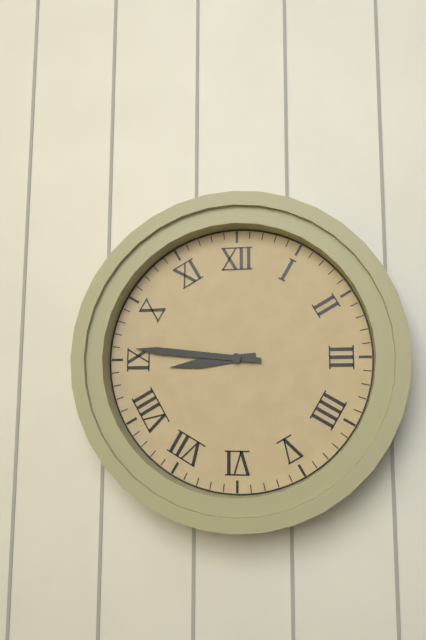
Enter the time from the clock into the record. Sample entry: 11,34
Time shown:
8,46
